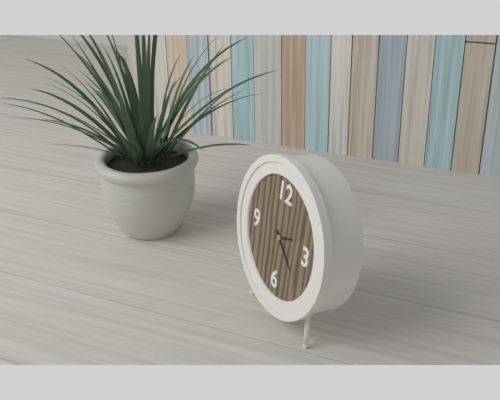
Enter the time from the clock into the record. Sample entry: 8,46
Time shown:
2,22
